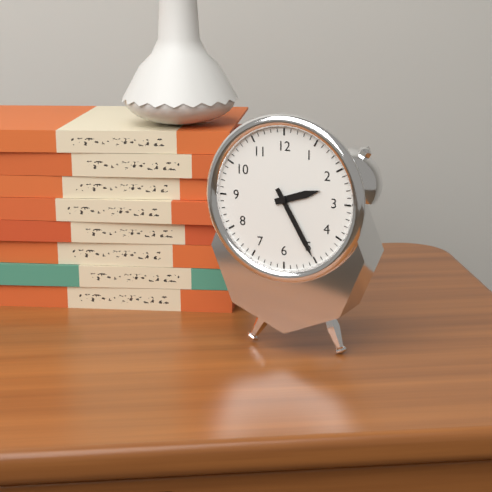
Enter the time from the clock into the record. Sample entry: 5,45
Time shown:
2,25
